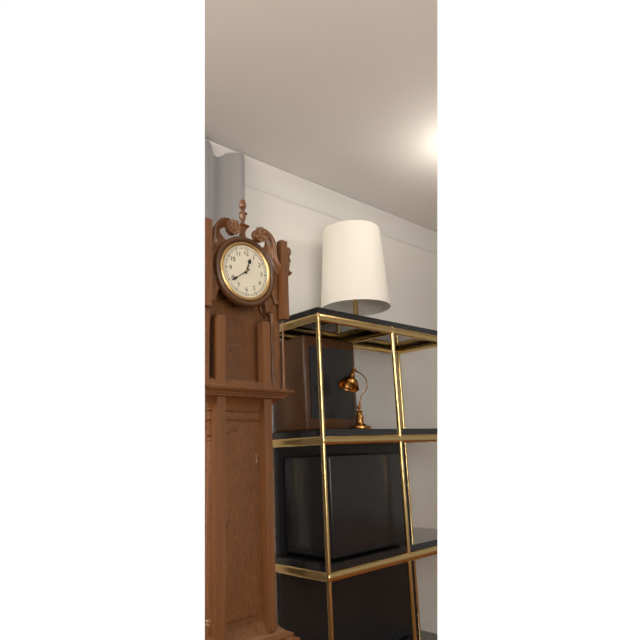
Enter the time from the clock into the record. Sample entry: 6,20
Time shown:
12,39
